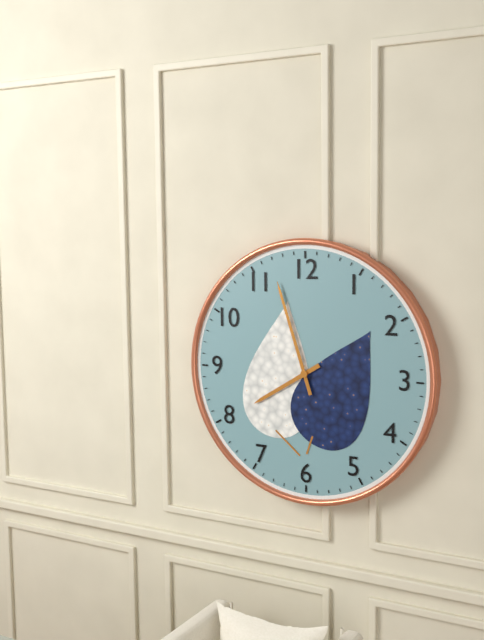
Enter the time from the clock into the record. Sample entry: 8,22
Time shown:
7,57
